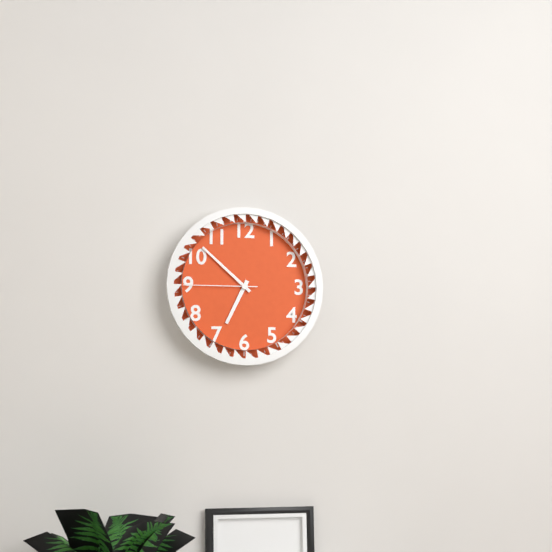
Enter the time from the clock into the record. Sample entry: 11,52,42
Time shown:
6,52,45
